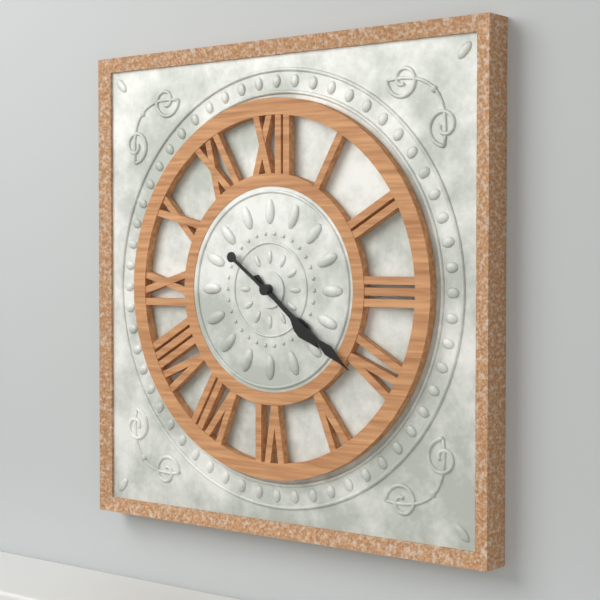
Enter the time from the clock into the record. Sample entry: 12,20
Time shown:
4,21
